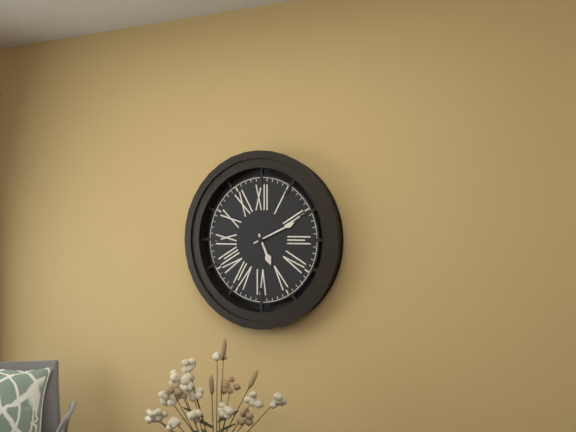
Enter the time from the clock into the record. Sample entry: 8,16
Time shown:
5,11
